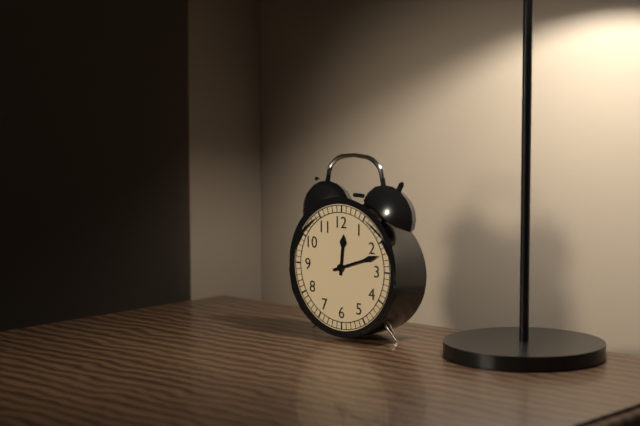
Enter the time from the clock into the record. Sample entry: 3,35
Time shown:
12,12
